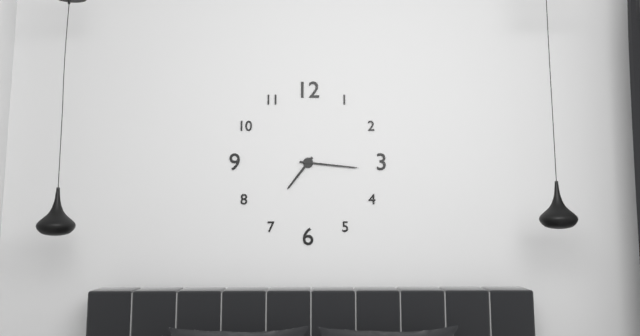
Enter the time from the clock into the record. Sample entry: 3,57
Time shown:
7,16
